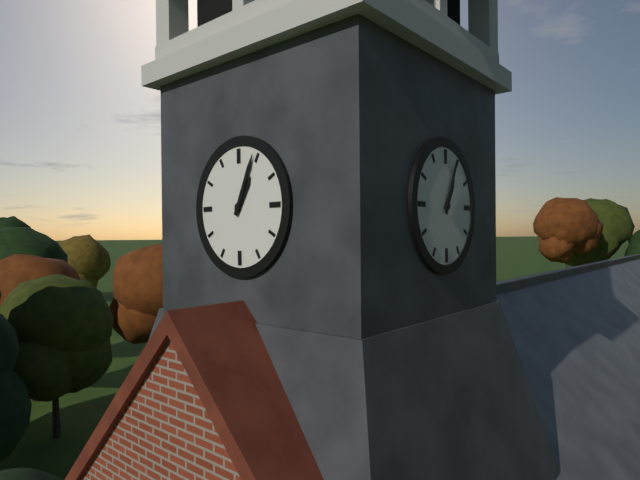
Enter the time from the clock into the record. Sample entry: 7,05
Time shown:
1,04
